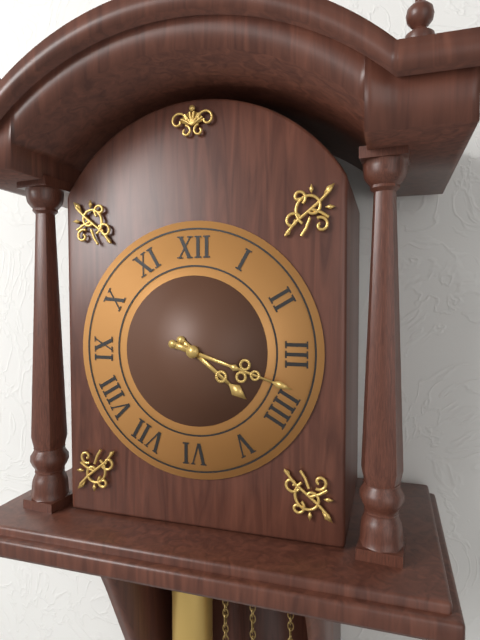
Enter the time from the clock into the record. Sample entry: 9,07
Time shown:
4,18
